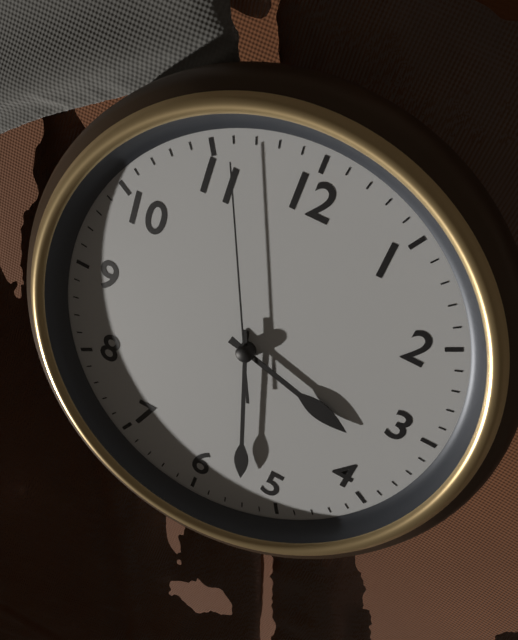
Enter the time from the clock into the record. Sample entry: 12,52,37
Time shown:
3,27,56
